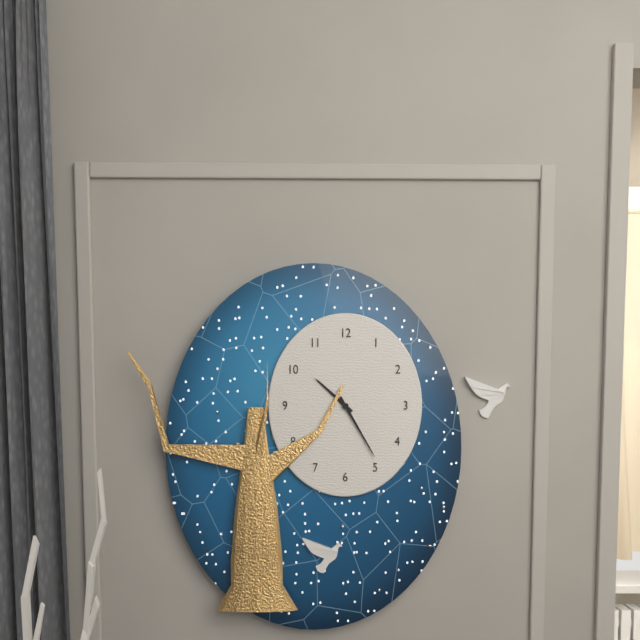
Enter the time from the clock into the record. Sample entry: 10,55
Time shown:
10,25
